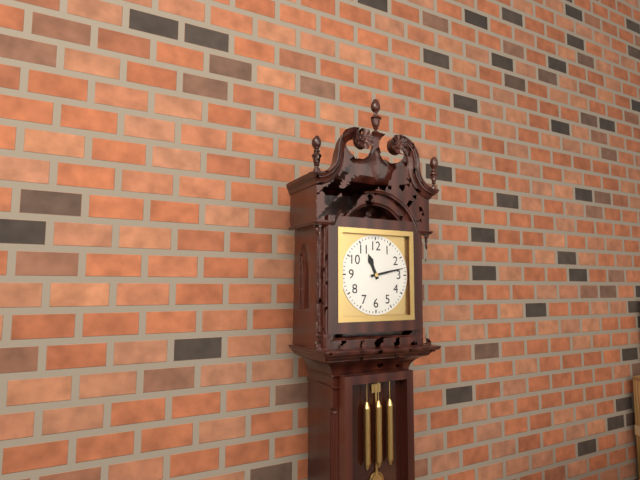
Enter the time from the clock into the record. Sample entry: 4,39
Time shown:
11,13
